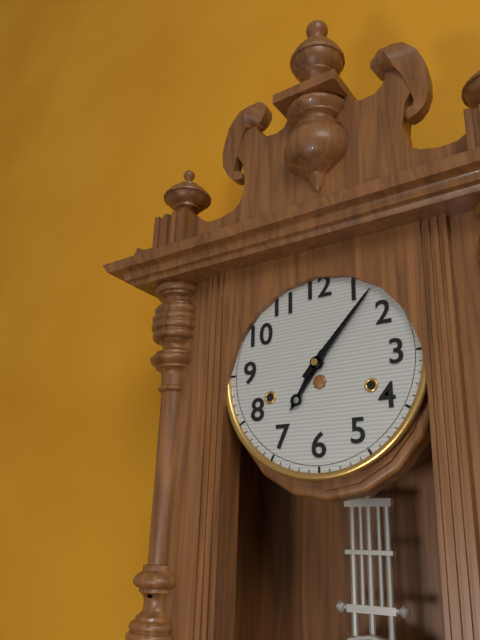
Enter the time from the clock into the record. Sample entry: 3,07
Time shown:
7,07
